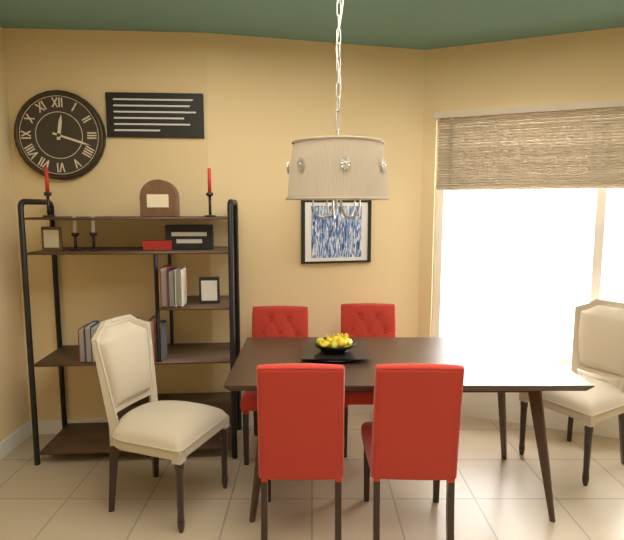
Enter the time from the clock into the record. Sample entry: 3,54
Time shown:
12,18
